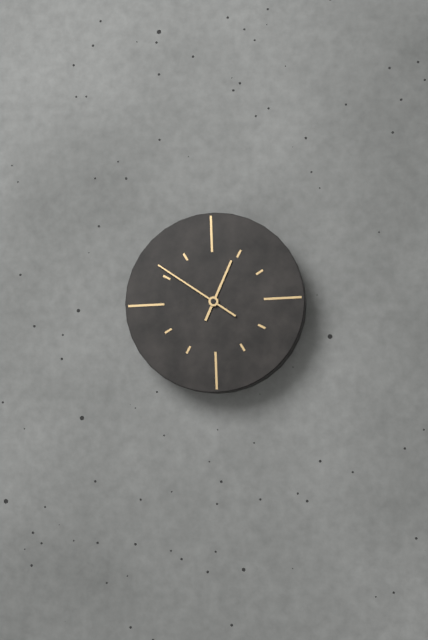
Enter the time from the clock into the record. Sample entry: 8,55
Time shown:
12,51
